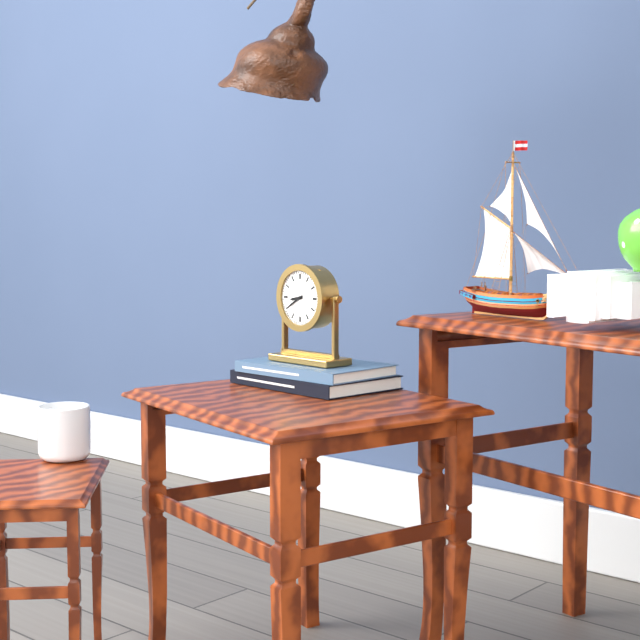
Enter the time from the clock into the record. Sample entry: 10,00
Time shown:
8,40
